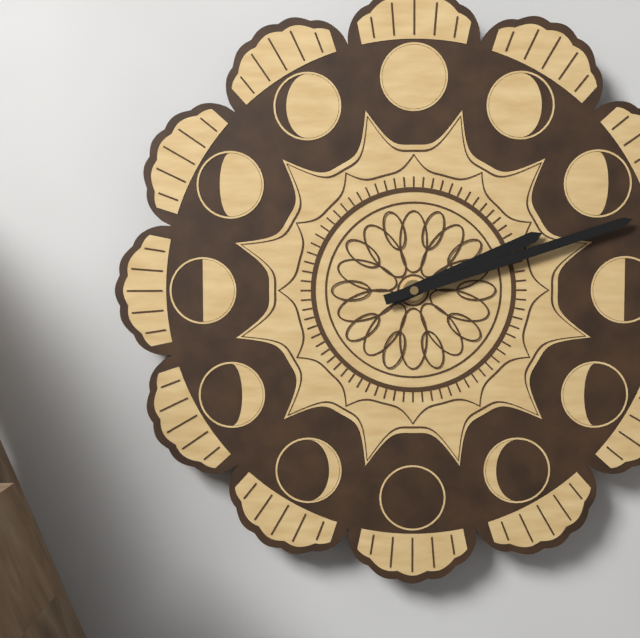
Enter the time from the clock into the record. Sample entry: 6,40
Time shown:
2,12
